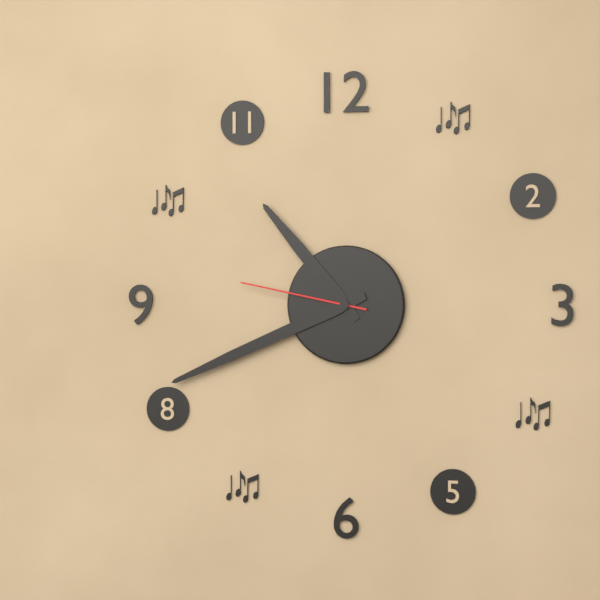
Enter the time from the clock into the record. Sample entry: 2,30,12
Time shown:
10,41,47
